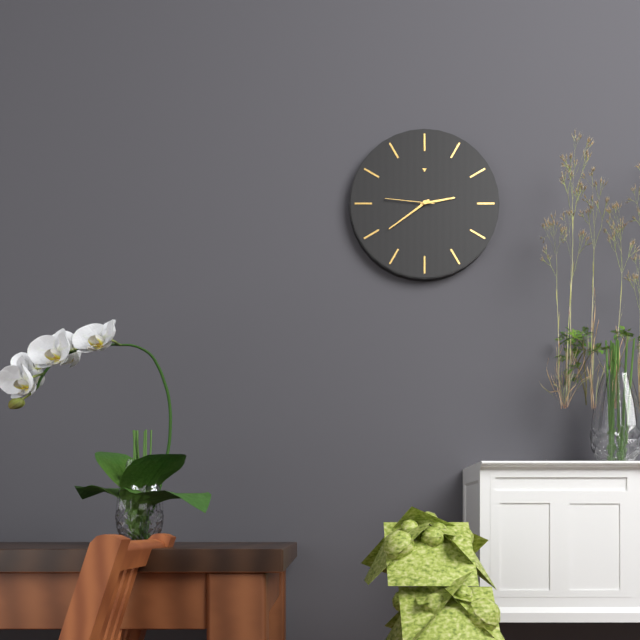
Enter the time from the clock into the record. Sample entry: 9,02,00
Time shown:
2,39,46
